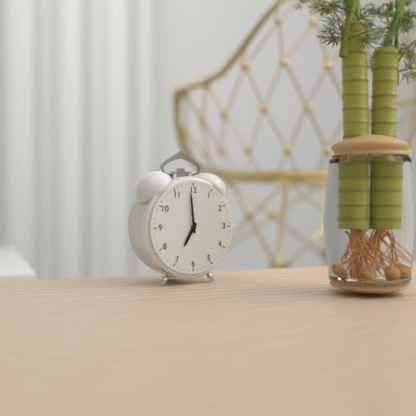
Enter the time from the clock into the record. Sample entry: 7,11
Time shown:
6,59
